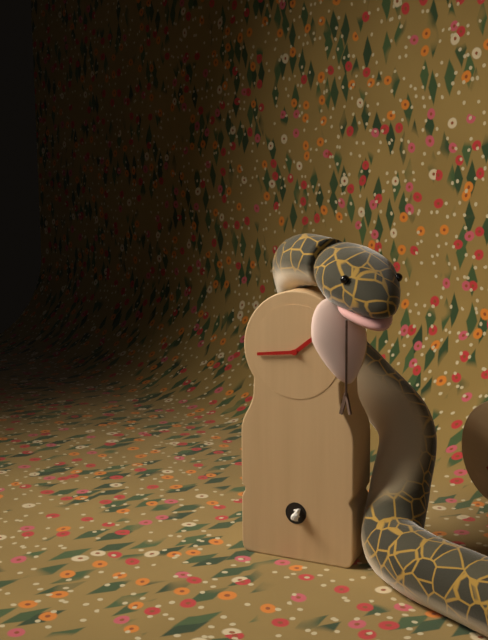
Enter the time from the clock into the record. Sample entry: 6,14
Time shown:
1,44
